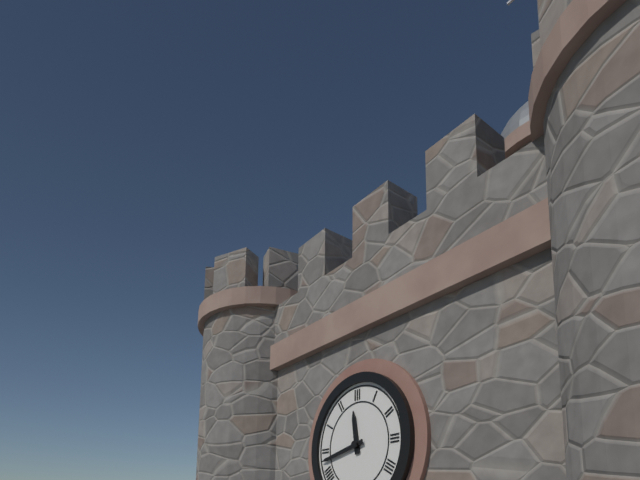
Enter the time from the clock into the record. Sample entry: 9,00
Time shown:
11,43
